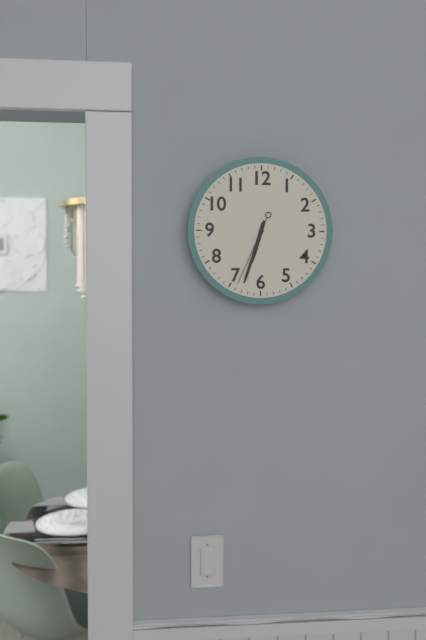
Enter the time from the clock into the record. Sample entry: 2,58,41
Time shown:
6,33,34
